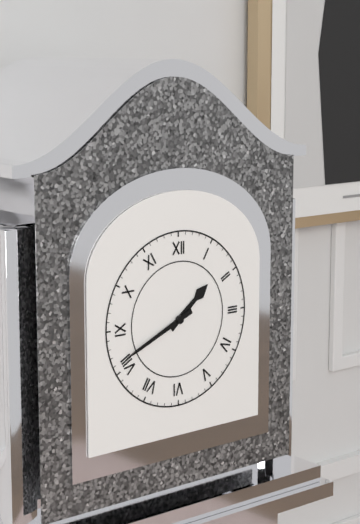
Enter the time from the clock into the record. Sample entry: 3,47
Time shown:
1,41
